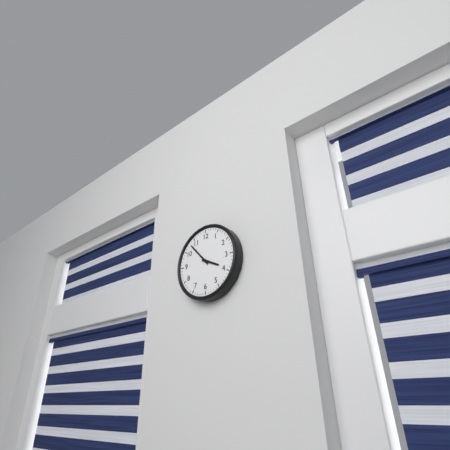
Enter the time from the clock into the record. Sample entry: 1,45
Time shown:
3,53
